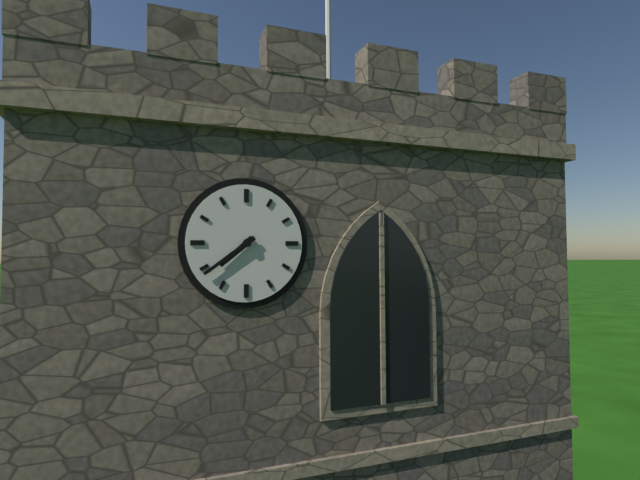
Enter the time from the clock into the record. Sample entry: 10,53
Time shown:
7,39
